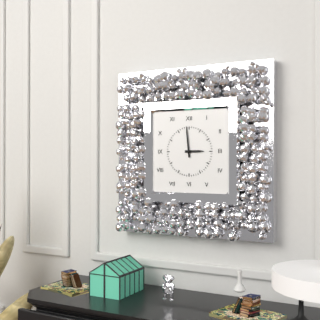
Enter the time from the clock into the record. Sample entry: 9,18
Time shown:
2,59
